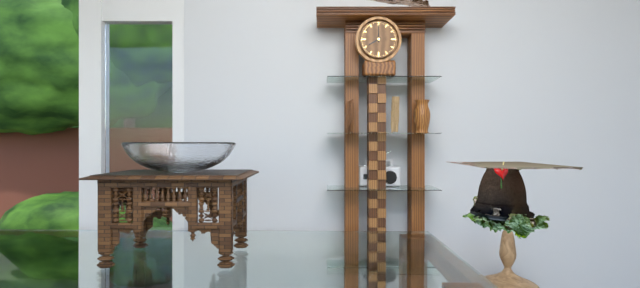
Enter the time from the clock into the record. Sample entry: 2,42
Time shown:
8,00
